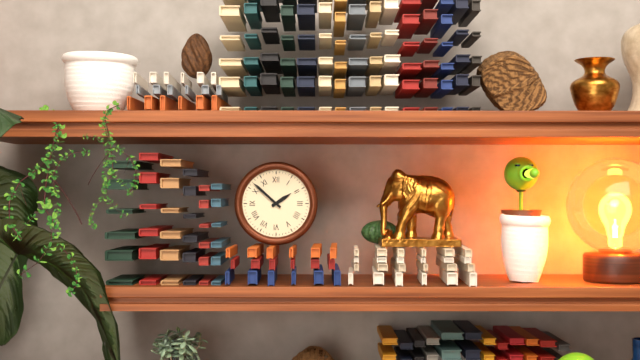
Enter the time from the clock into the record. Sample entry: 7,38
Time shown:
1,52
